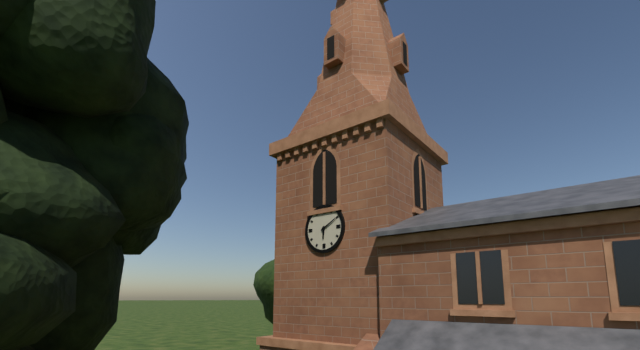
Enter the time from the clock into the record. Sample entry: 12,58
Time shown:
6,10
